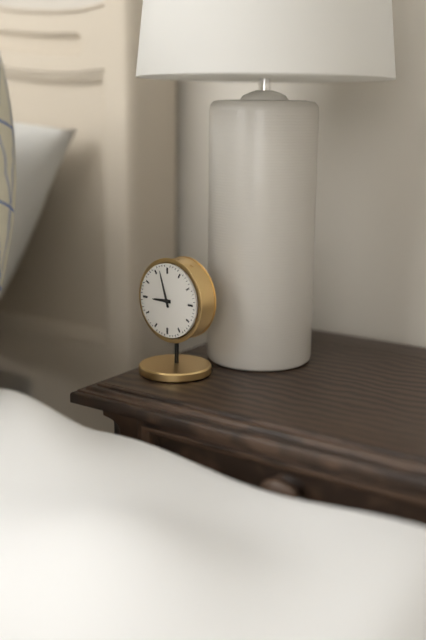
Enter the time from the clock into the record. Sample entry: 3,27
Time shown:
8,57
